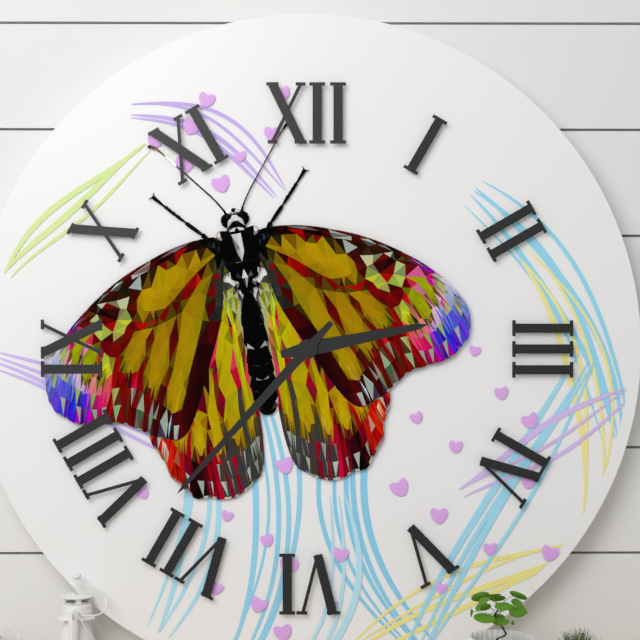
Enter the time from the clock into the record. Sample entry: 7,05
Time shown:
2,37
